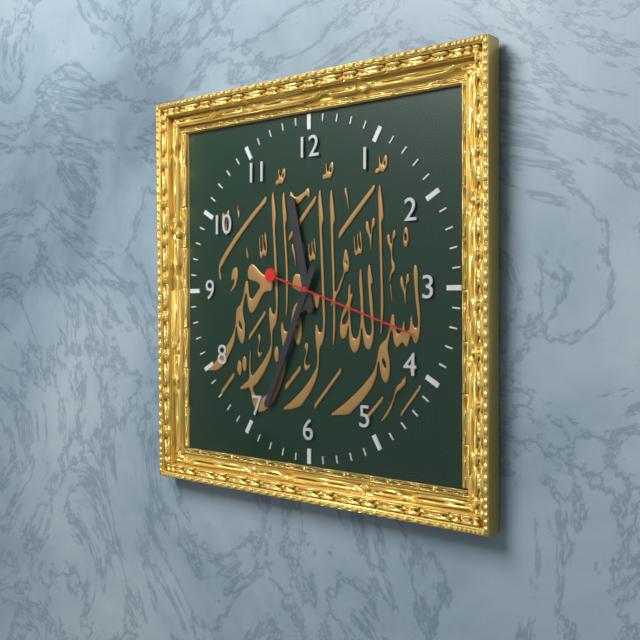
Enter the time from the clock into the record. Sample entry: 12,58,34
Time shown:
11,34,18
